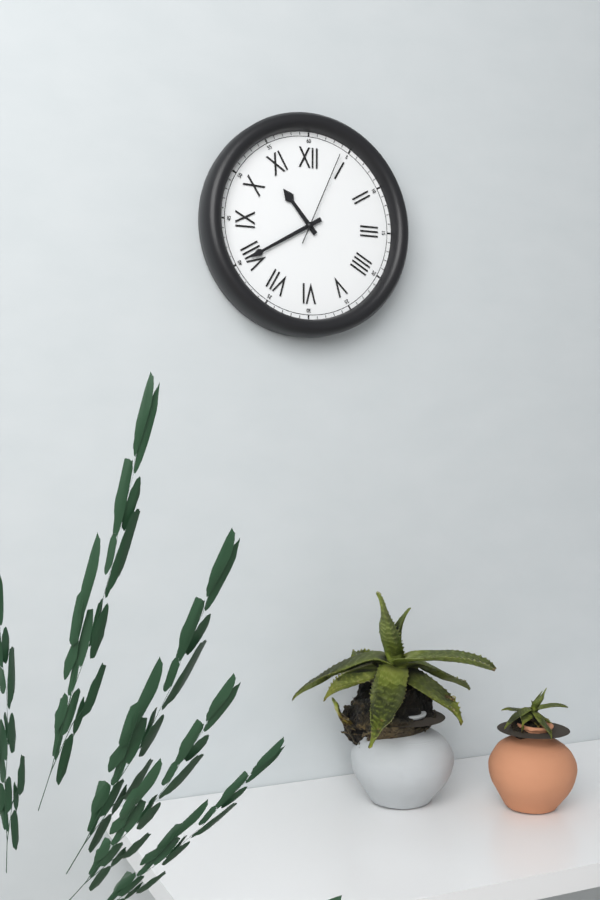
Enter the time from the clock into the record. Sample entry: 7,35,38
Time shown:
10,40,04
